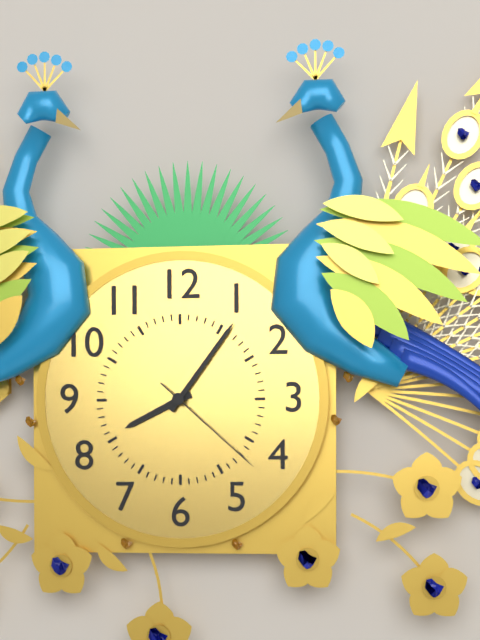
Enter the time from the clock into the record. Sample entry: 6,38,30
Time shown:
8,06,22
